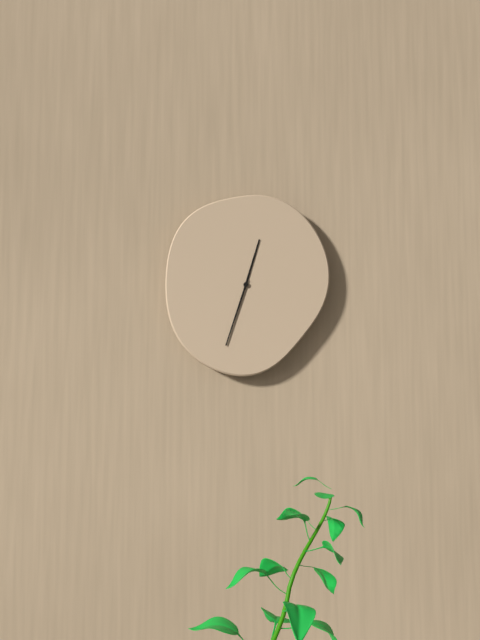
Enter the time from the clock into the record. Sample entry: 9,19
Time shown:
12,33
